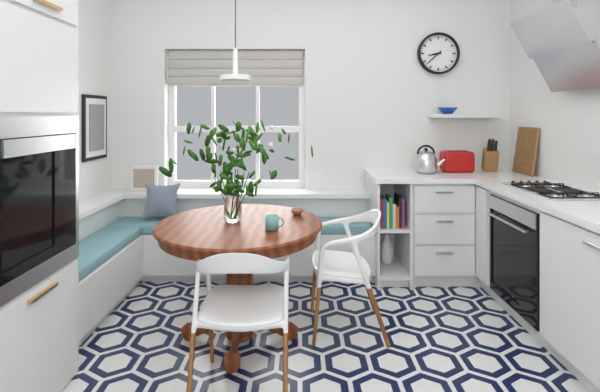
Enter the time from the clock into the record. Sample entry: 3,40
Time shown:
8,38
